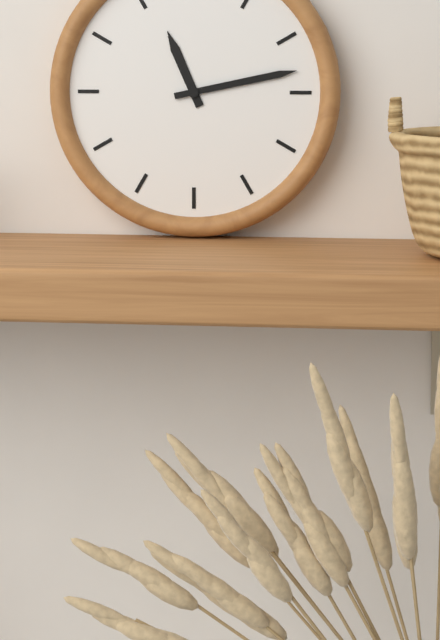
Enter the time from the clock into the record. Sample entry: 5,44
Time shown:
11,13
